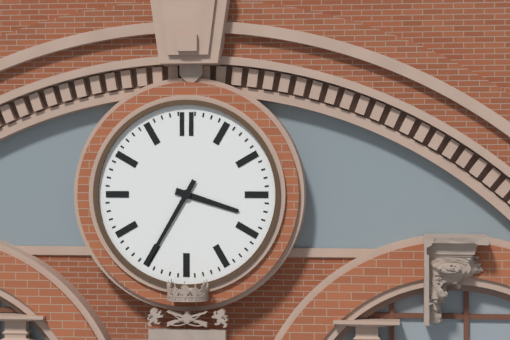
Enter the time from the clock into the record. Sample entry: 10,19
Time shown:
3,35
